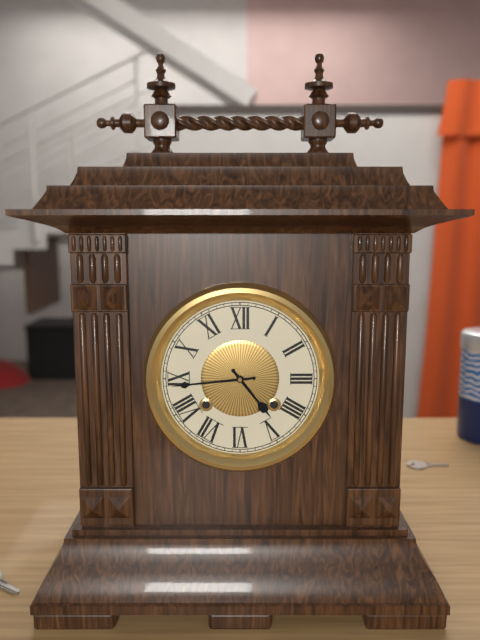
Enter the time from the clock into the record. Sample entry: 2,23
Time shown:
4,44
